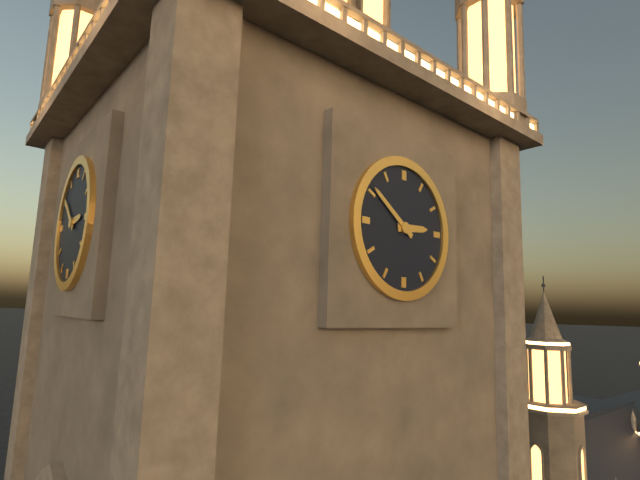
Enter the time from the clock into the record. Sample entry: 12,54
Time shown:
2,51
